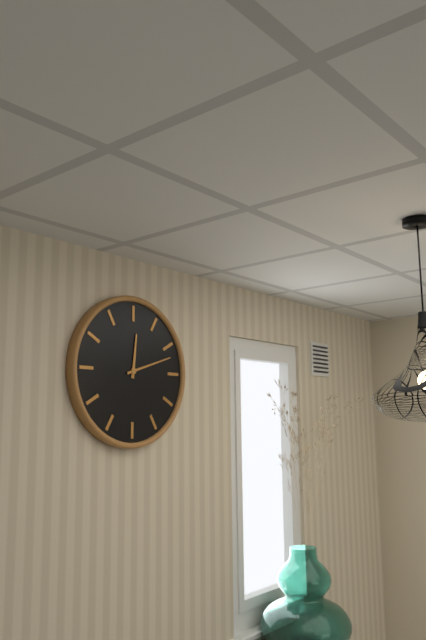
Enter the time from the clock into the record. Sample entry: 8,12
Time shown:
12,12
